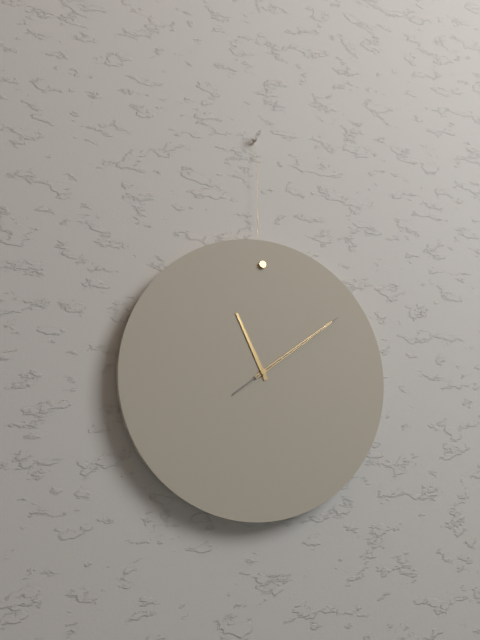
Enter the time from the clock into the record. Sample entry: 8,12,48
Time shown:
11,09,09
